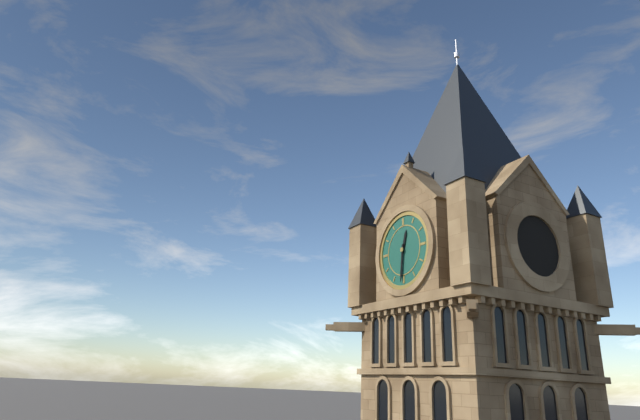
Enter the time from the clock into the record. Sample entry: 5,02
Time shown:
12,31
